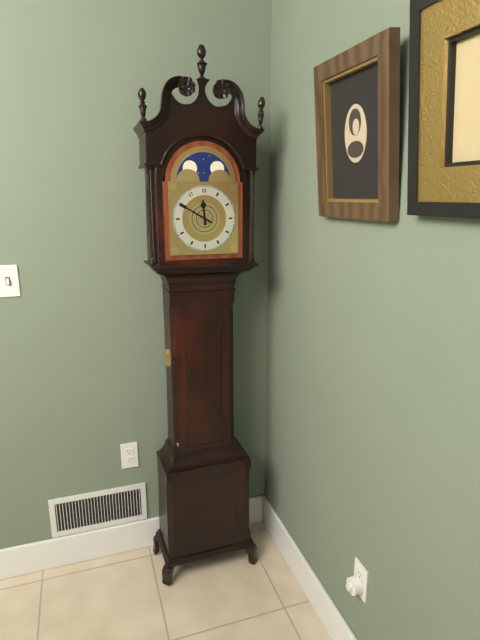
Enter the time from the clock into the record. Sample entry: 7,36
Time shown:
11,50
